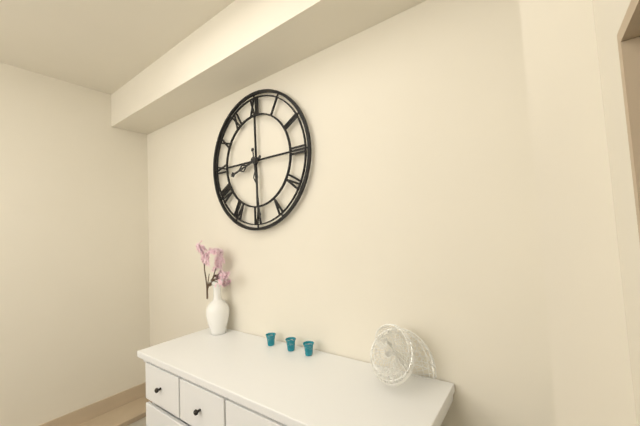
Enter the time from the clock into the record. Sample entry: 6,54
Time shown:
8,29
